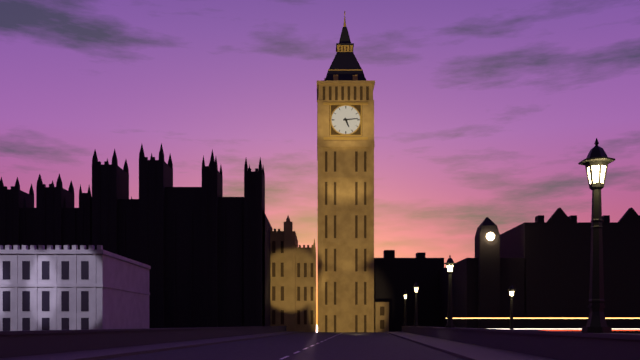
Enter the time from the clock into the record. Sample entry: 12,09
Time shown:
5,14
